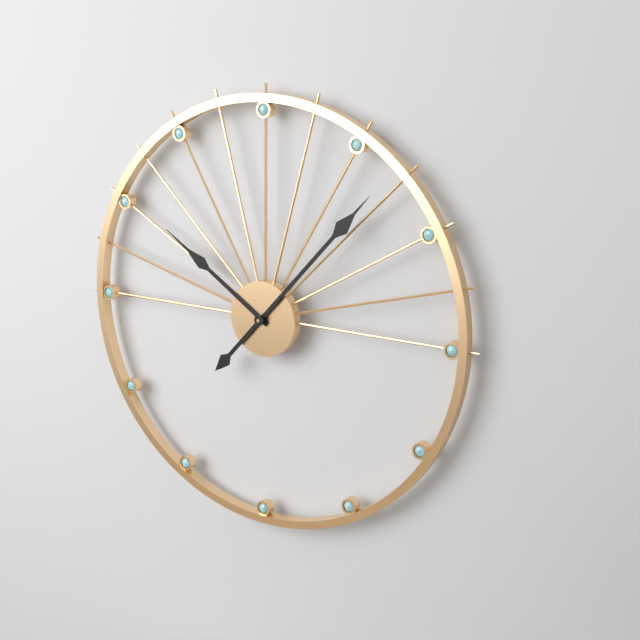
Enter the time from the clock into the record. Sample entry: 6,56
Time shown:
10,07
